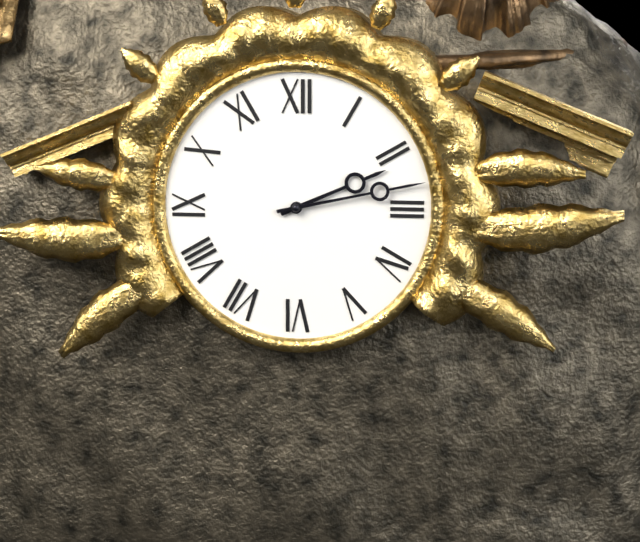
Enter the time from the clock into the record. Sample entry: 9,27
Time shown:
2,13
